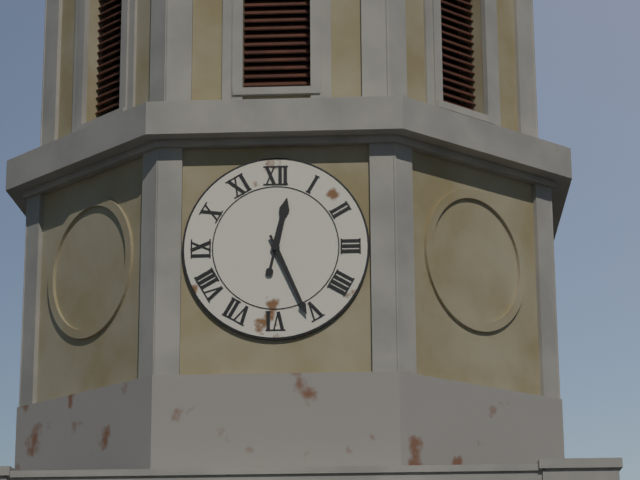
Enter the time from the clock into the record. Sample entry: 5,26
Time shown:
12,26
